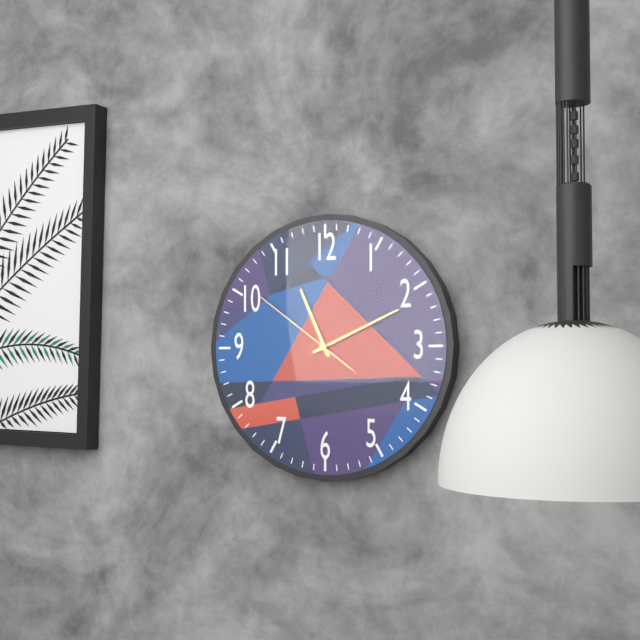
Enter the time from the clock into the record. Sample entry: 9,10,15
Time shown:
11,11,51
